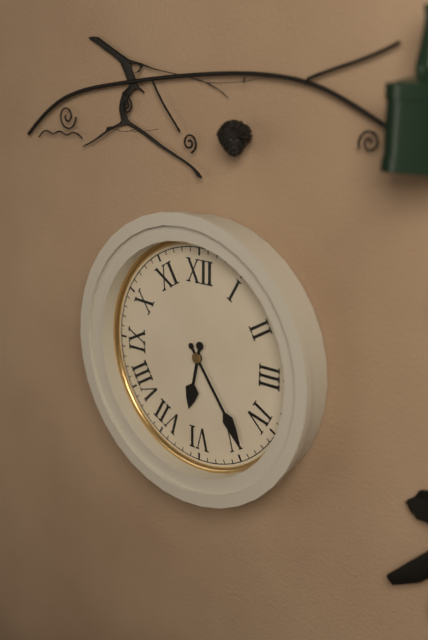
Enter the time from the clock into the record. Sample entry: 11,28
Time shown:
6,24
